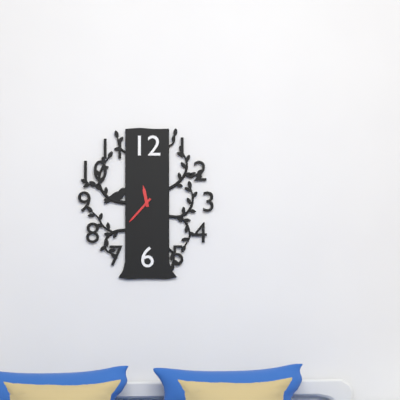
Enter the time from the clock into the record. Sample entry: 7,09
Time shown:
11,37
